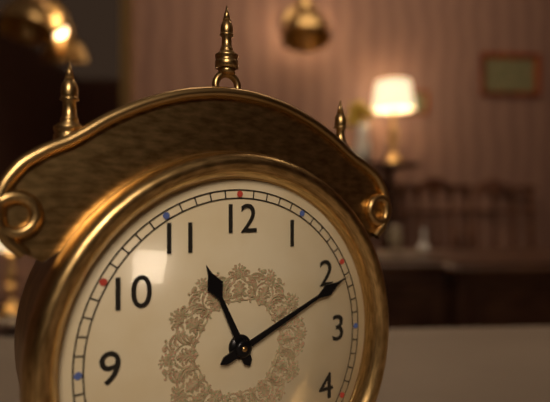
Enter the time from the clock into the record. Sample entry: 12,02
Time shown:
11,11
